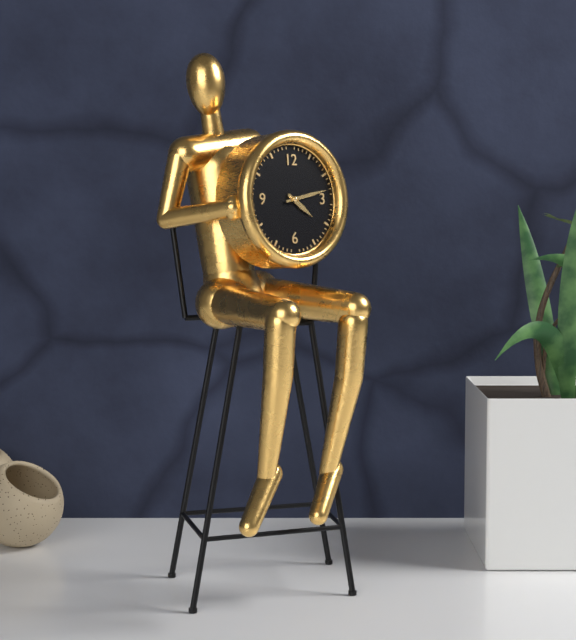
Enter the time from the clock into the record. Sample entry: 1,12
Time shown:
4,13
